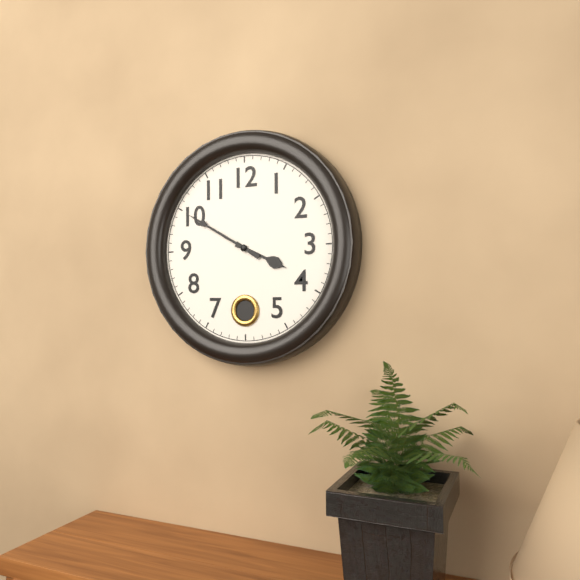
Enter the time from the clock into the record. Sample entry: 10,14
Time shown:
3,50
